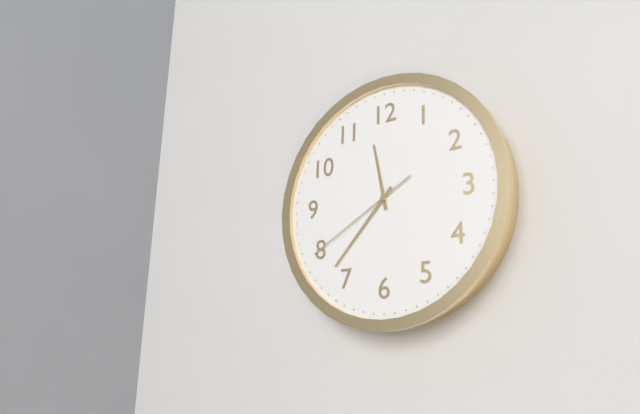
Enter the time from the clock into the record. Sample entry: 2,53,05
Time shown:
11,37,40
